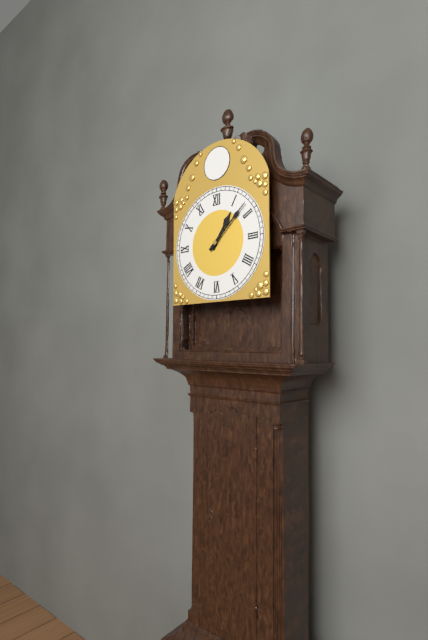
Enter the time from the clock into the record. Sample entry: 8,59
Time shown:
1,08
